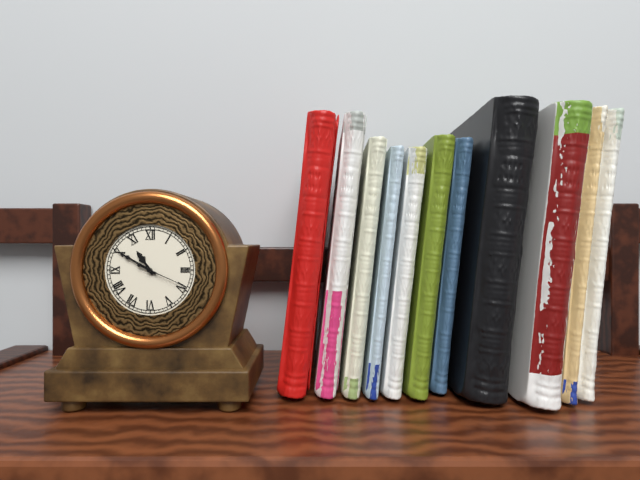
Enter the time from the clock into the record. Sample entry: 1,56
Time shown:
10,50
